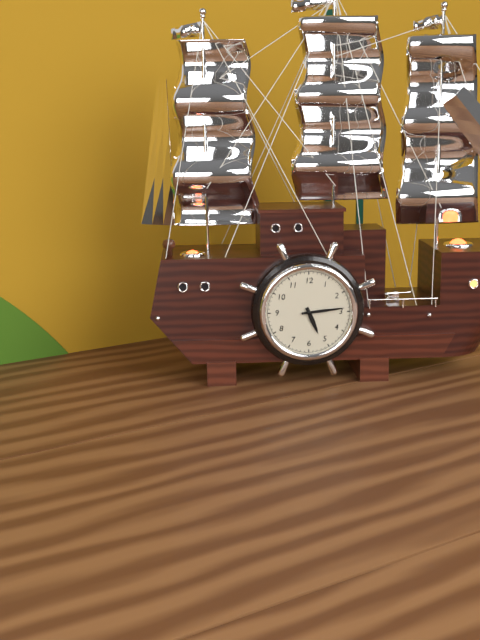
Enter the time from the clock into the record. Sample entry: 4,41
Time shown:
5,14
